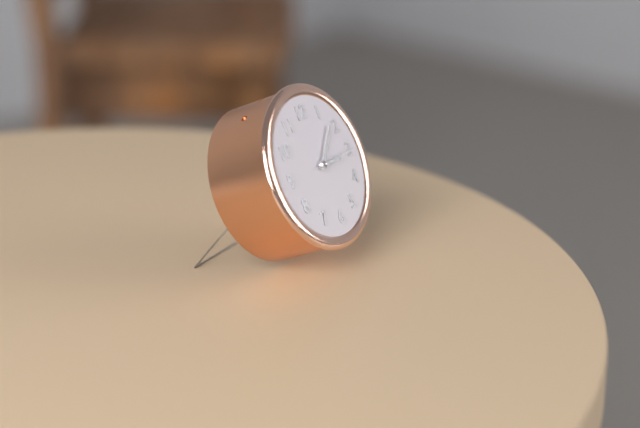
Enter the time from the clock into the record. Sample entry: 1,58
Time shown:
3,08
